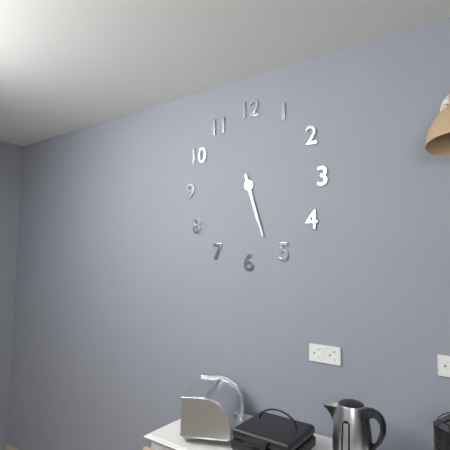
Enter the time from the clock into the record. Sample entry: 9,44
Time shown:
5,27
